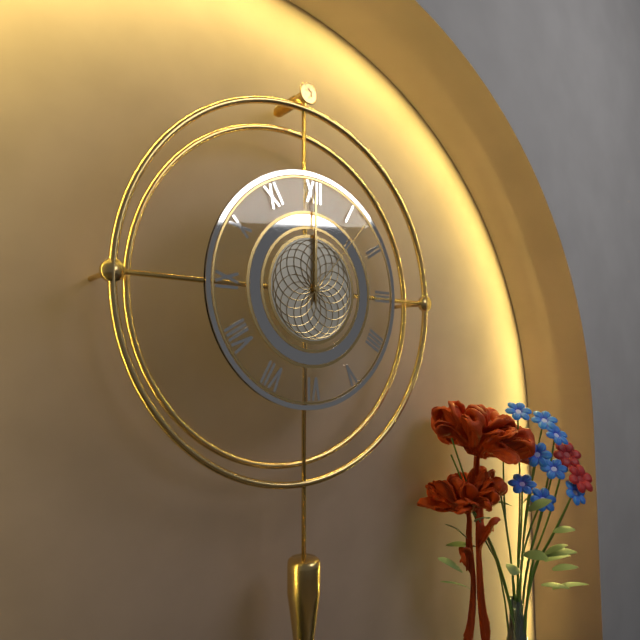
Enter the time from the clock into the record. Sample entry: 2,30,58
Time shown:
12,00,07
